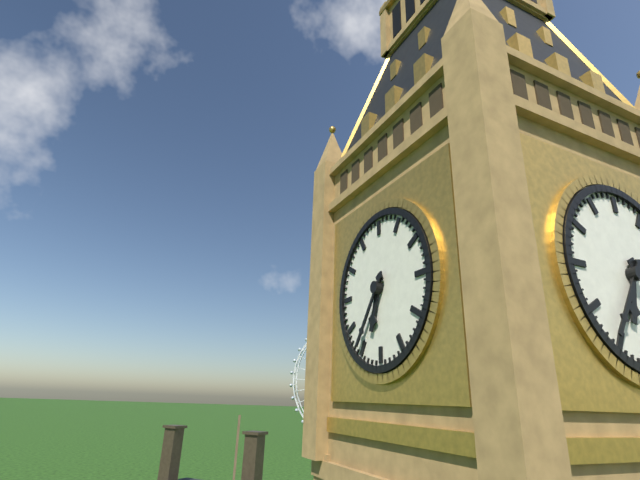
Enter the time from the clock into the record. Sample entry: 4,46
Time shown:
6,36
